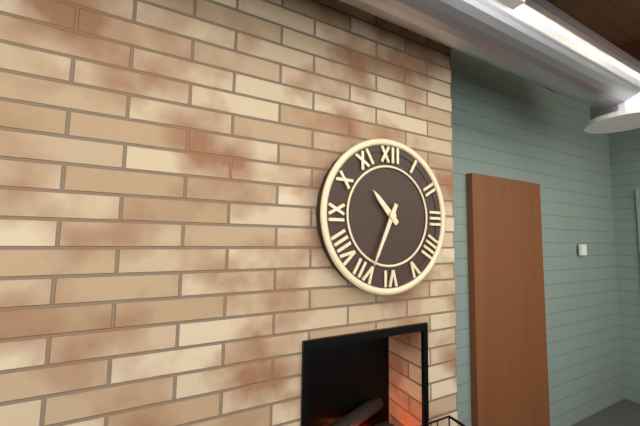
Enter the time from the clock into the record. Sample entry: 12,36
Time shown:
10,34
